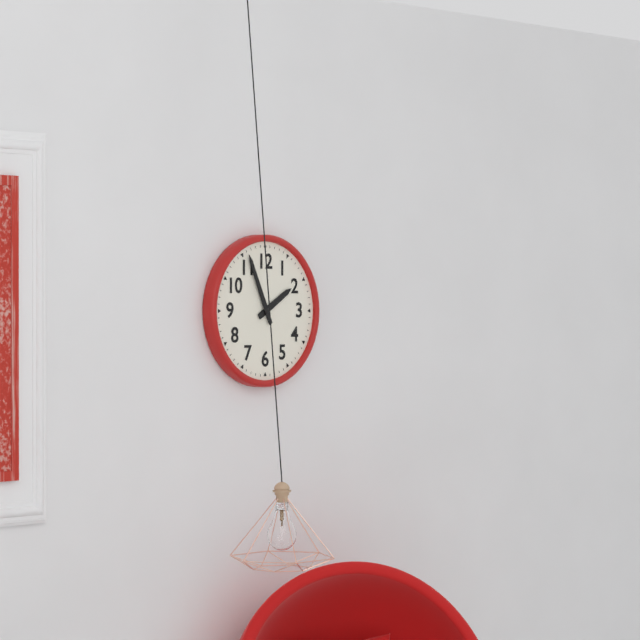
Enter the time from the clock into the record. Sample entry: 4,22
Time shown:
1,56
